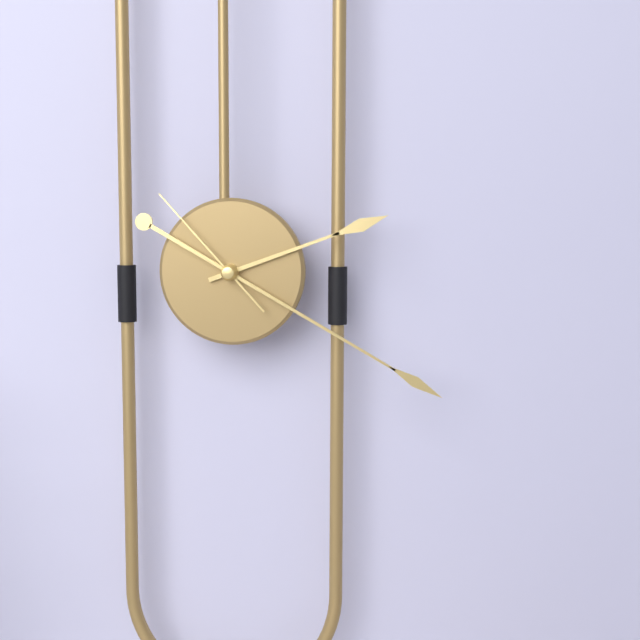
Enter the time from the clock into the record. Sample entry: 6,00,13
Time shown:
2,20,53
